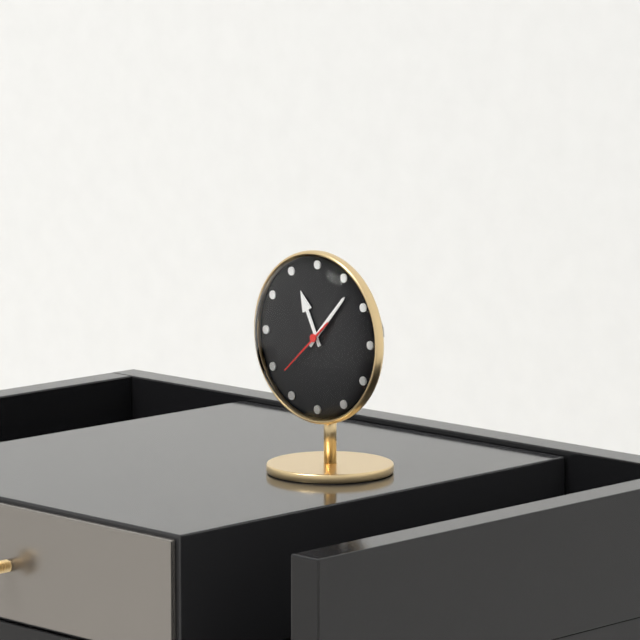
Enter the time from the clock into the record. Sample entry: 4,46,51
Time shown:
11,07,38
